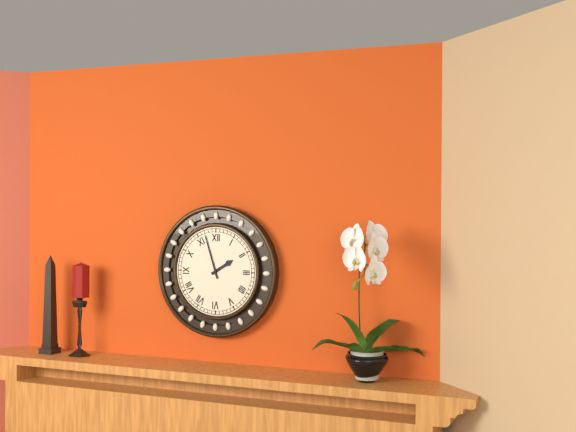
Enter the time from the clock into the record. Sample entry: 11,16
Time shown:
1,57
